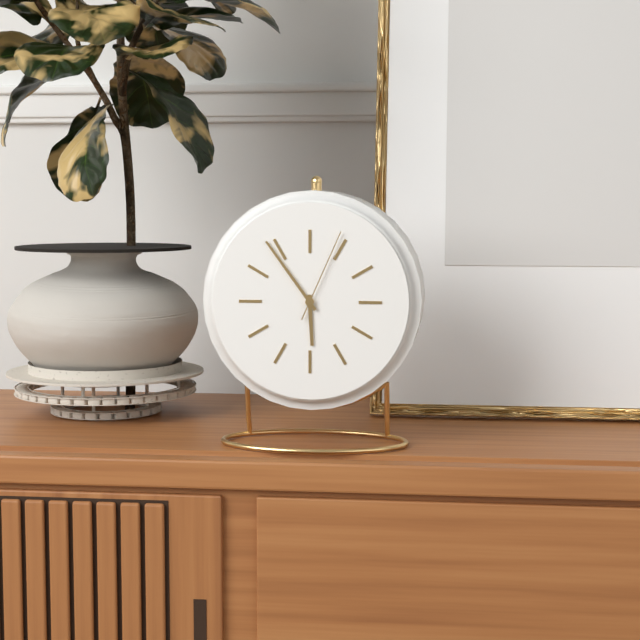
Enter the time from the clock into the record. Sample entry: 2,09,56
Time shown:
5,54,04
